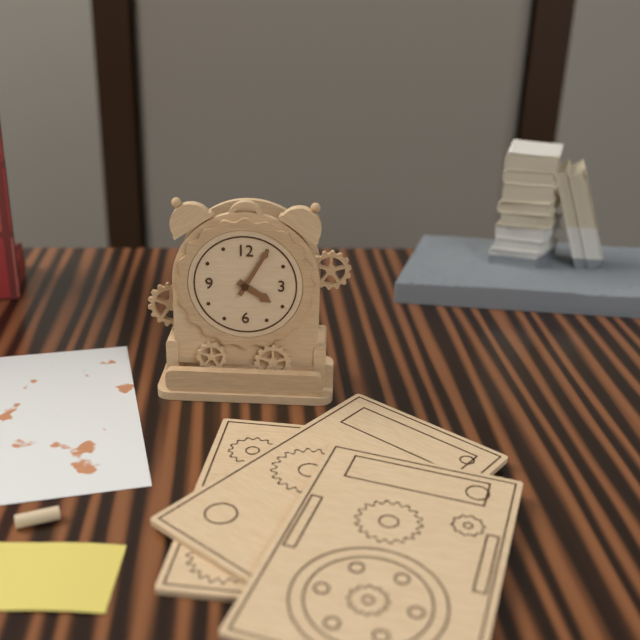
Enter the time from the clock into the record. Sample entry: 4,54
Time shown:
4,05
